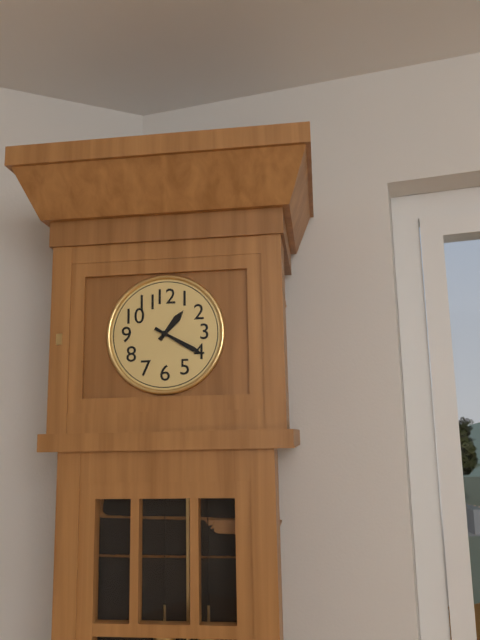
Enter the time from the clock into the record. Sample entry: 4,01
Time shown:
1,20
